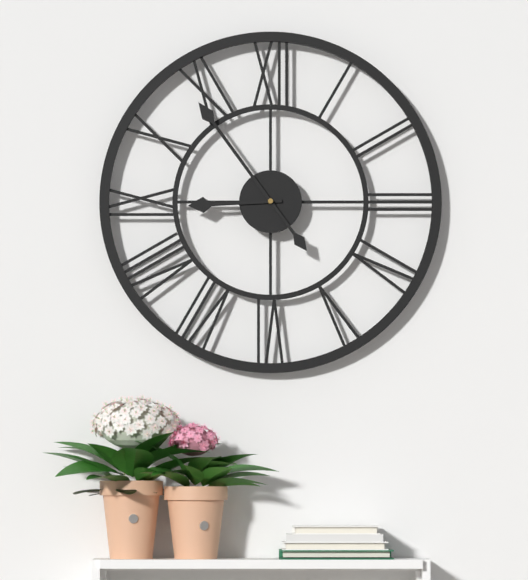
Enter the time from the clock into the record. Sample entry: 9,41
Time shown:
8,54
